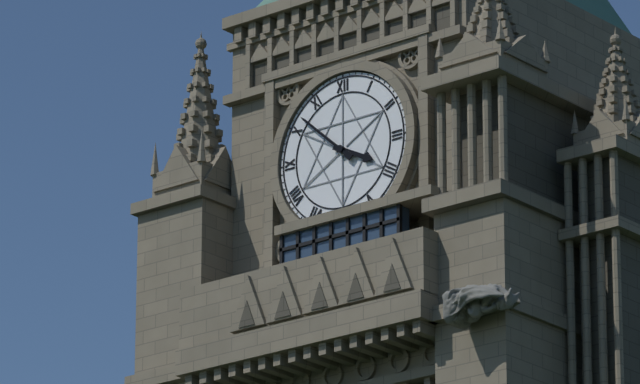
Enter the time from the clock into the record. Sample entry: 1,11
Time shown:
3,52
